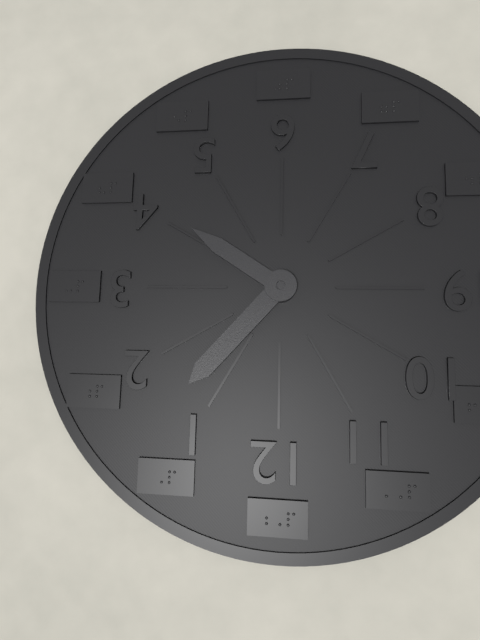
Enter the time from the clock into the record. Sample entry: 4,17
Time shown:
4,07
